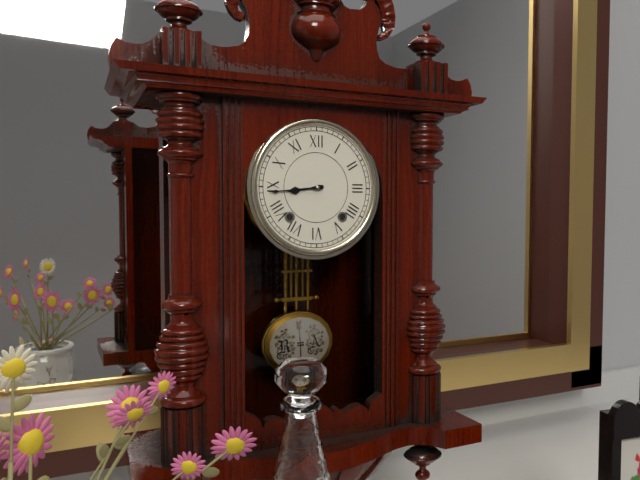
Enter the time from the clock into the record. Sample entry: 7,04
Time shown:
8,44
